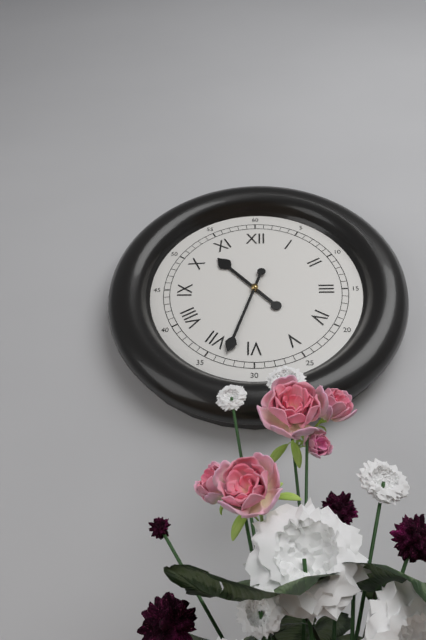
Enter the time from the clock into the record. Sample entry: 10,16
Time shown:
10,33
